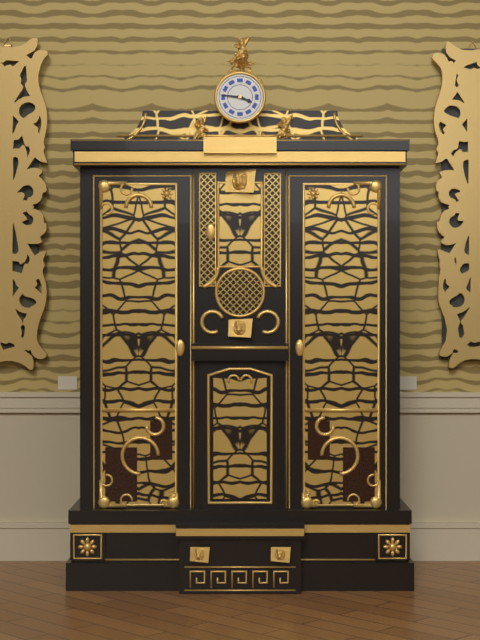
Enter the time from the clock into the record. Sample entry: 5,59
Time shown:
3,46
